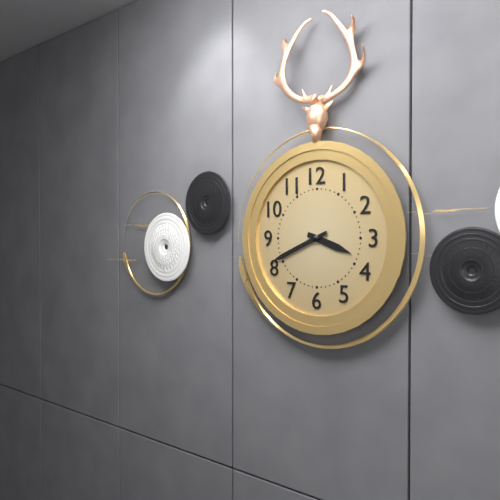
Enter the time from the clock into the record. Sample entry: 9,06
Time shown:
3,41
